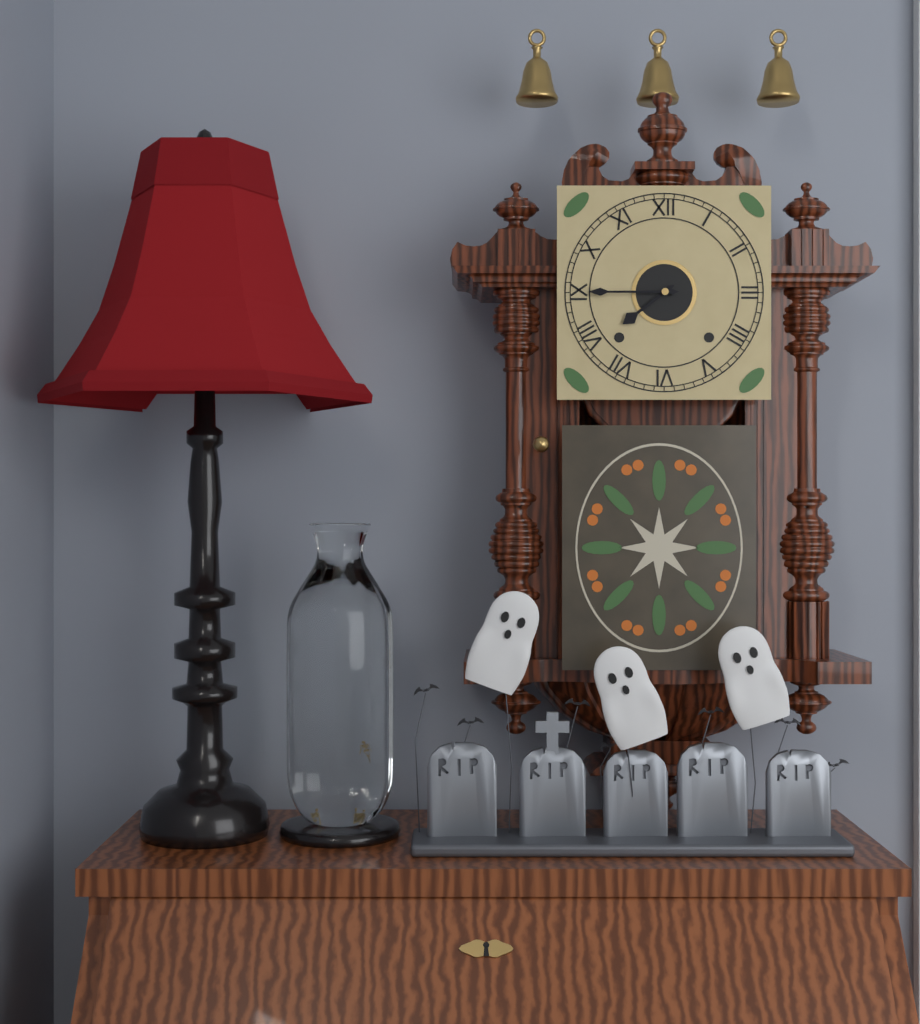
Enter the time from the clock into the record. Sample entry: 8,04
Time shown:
7,45
